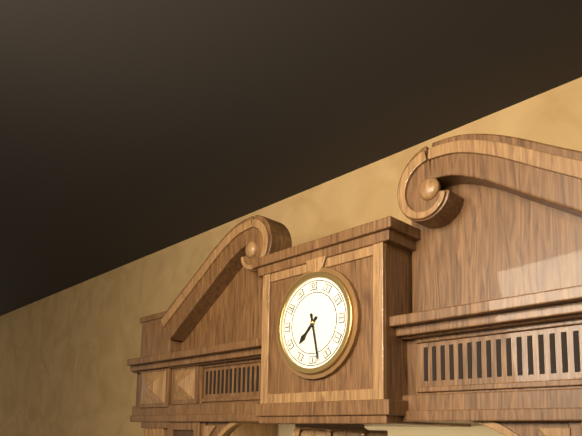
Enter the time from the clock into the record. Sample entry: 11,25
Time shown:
7,28
